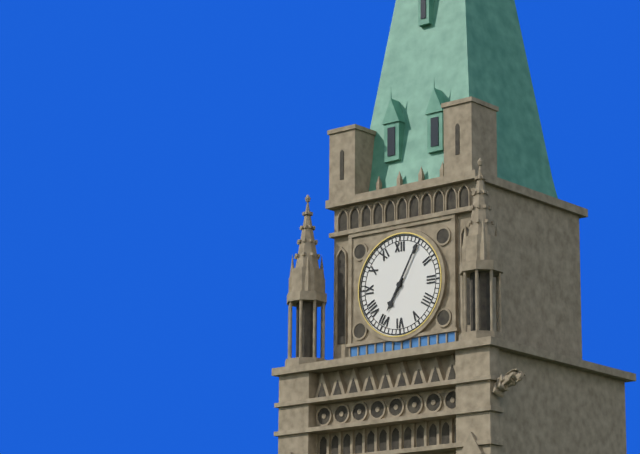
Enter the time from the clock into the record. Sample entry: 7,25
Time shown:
7,05
